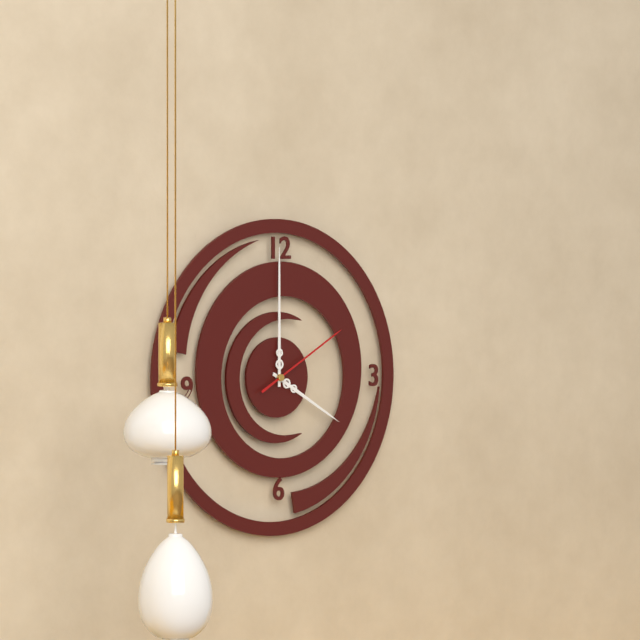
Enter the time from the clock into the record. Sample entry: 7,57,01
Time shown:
4,00,10
